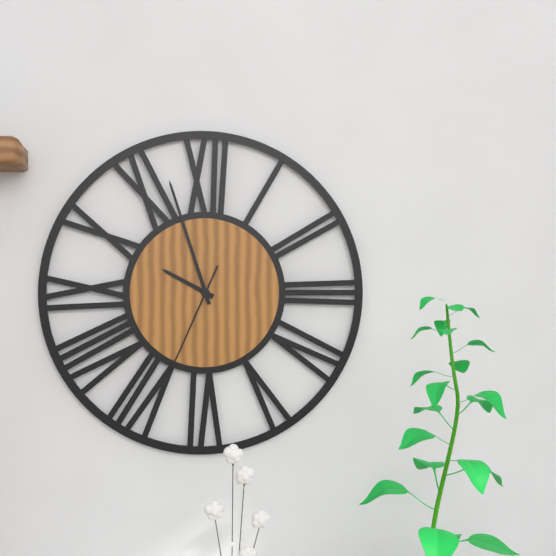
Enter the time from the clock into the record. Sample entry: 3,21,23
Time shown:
9,57,34
